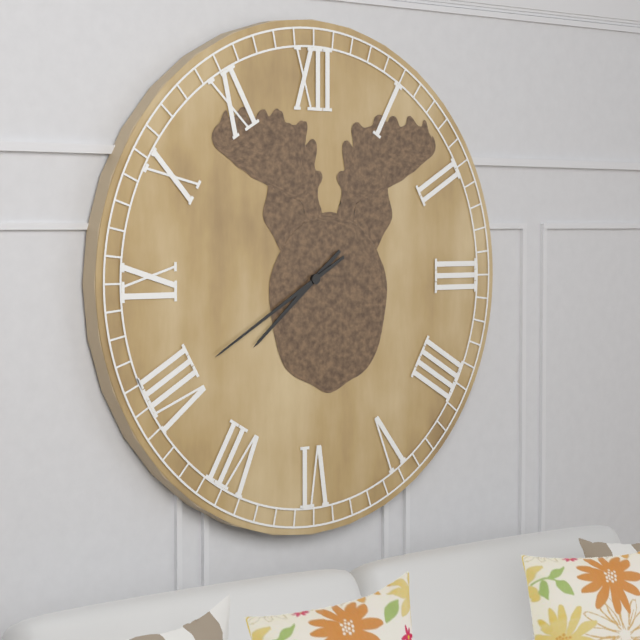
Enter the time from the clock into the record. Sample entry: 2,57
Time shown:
7,40
